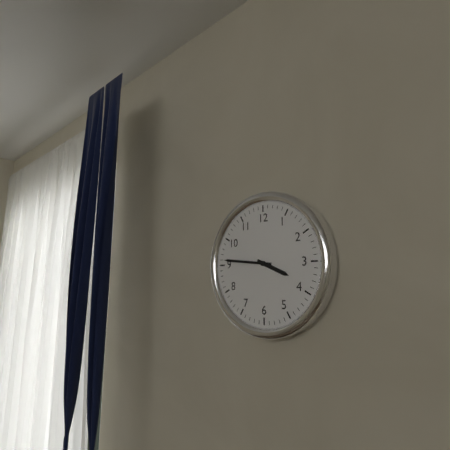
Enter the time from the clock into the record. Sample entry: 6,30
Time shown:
3,46
